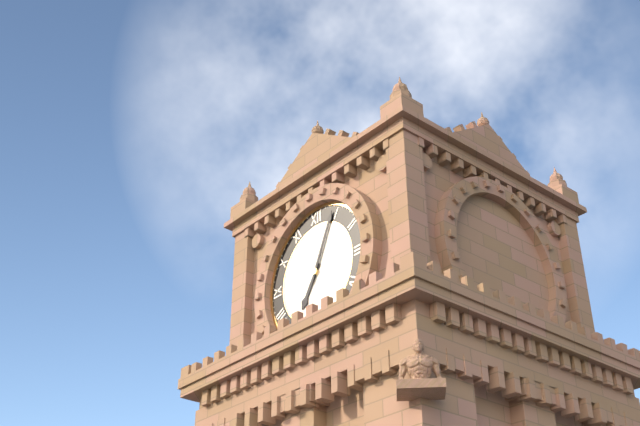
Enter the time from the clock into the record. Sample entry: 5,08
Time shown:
7,04
